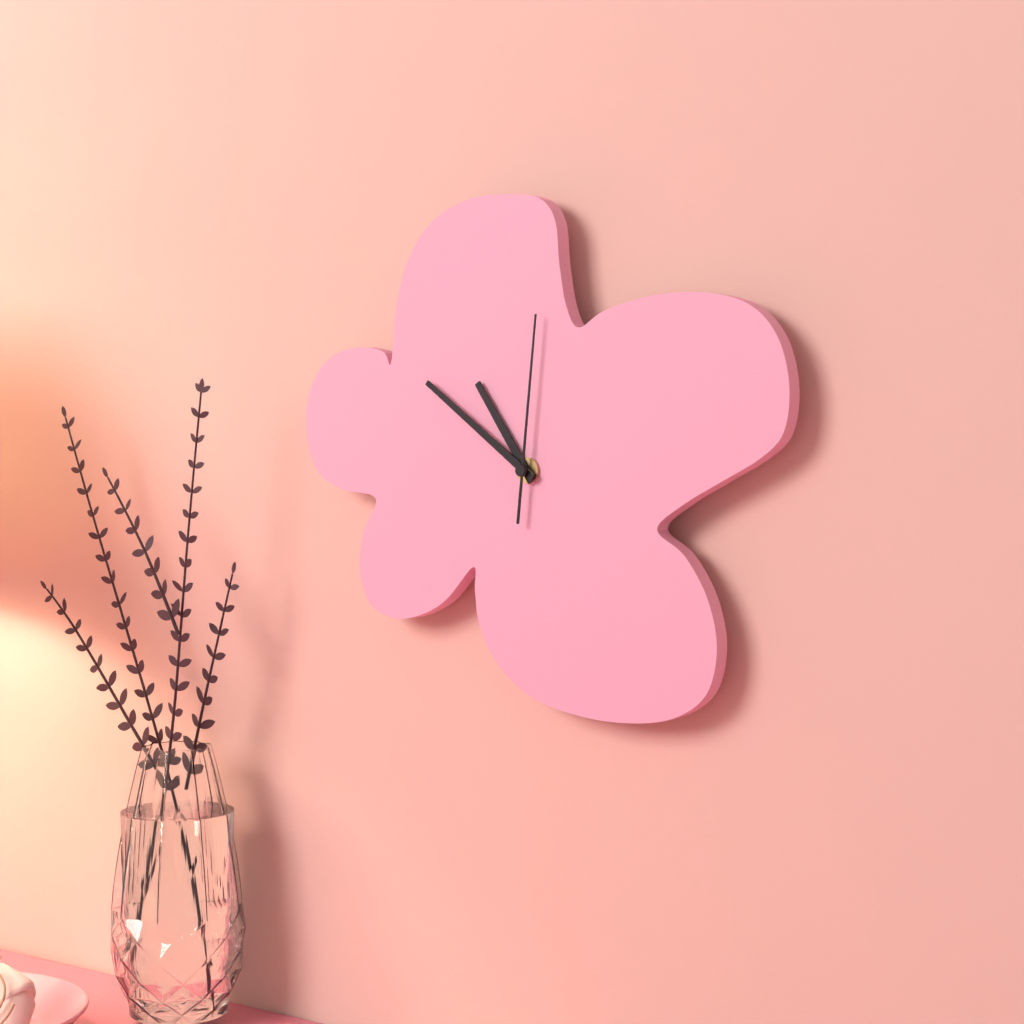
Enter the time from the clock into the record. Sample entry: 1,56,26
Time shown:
10,51,01
